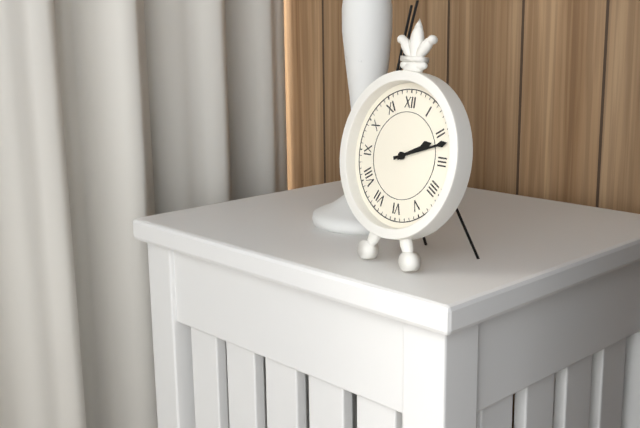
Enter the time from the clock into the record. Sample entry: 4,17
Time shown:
2,12
